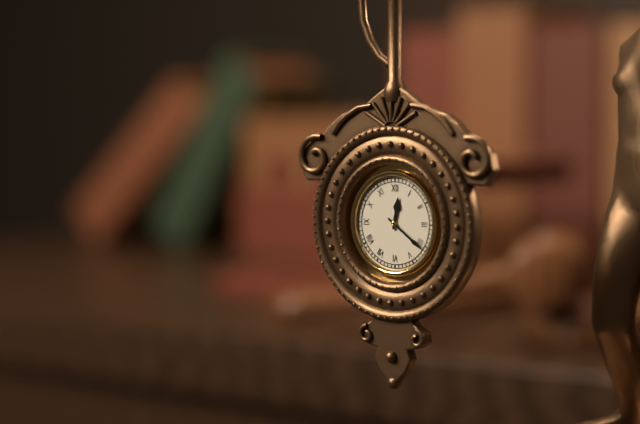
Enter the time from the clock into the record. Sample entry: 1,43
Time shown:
12,21
